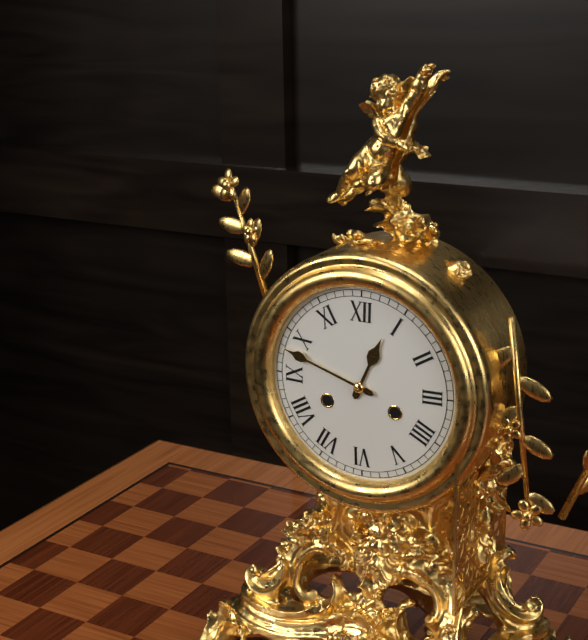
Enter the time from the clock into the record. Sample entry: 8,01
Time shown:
12,48
